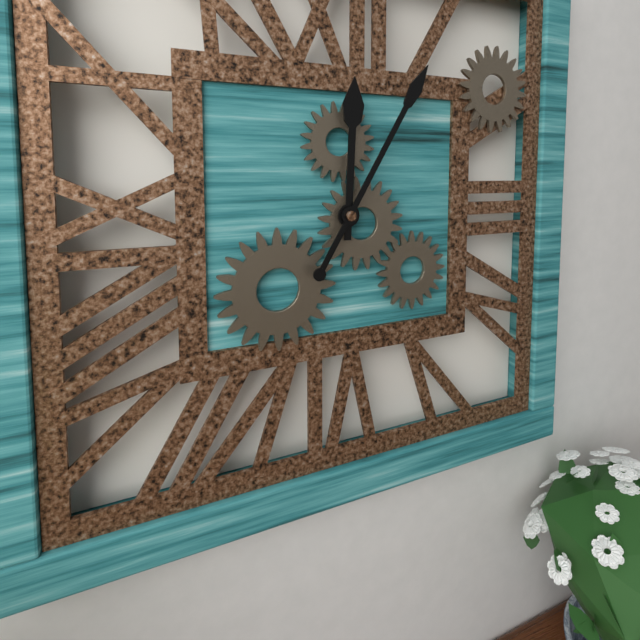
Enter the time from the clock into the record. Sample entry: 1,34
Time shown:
12,05
